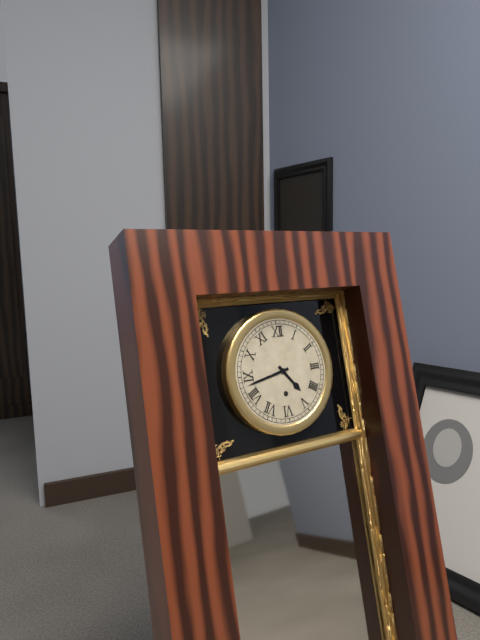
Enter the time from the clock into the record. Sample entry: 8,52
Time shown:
4,43
